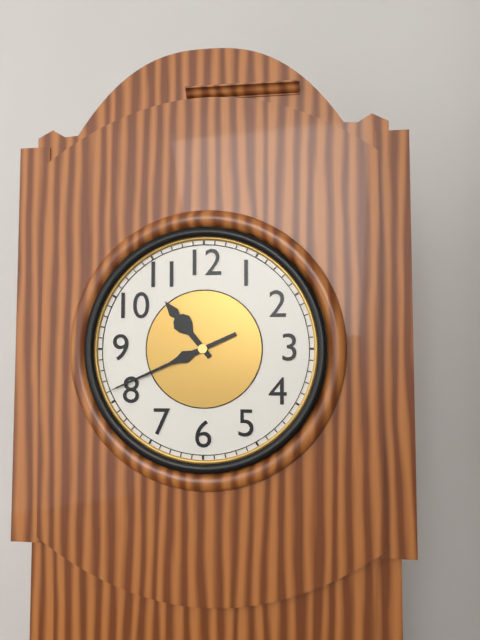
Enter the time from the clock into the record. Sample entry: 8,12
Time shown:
10,41
